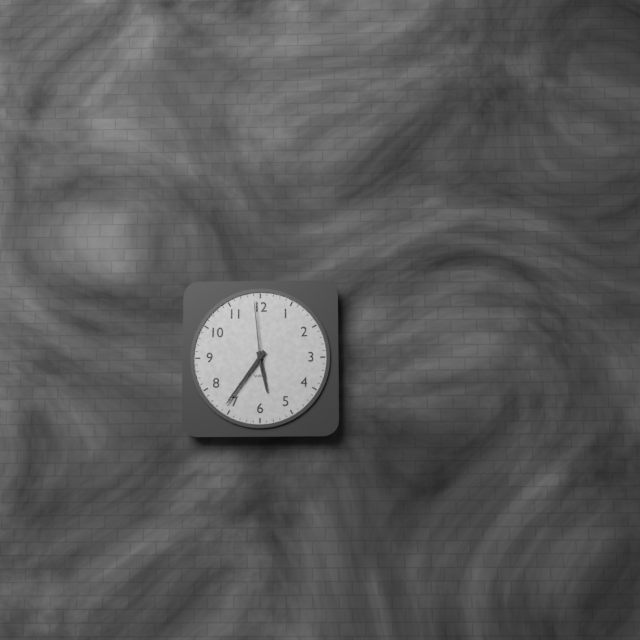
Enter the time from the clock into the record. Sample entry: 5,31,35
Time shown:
5,36,59
